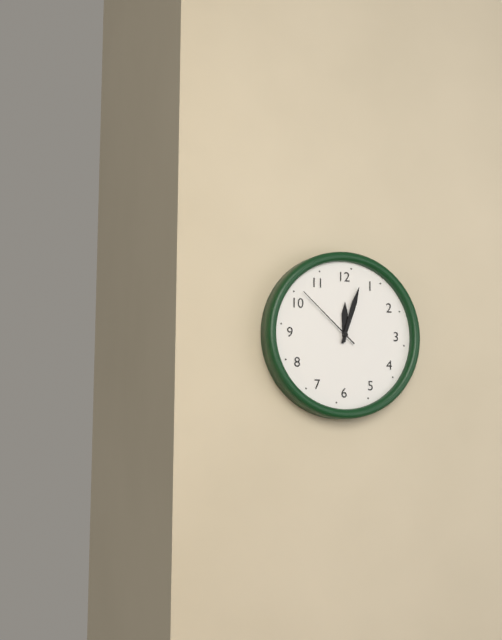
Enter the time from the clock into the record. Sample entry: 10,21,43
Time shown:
12,03,52
